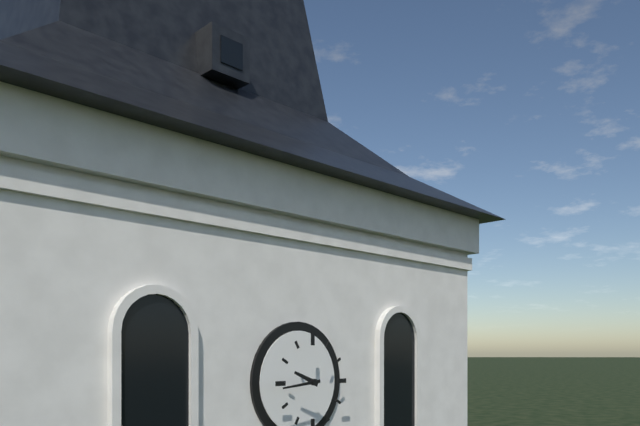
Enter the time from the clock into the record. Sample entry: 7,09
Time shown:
9,44
